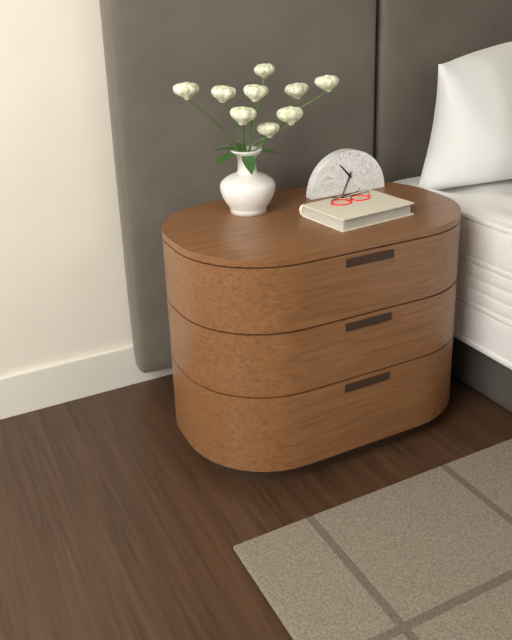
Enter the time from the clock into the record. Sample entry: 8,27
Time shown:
10,34
